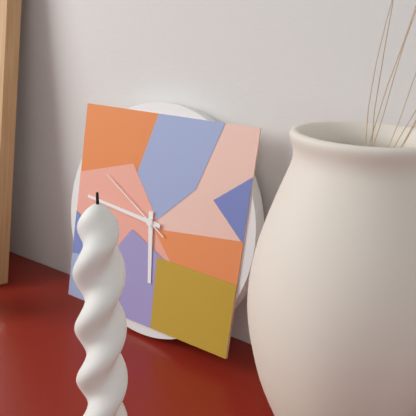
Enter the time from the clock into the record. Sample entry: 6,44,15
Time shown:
5,46,50
